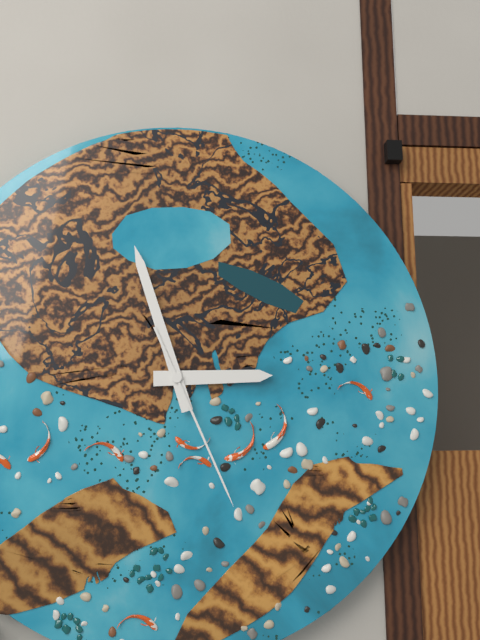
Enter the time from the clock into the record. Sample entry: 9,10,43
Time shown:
2,57,26
